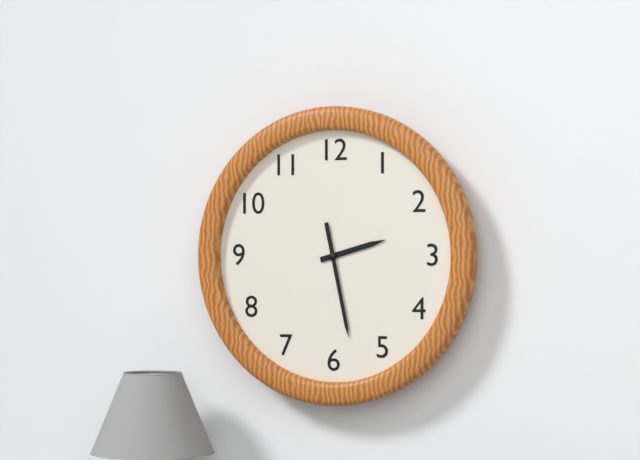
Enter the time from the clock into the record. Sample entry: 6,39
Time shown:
2,28
